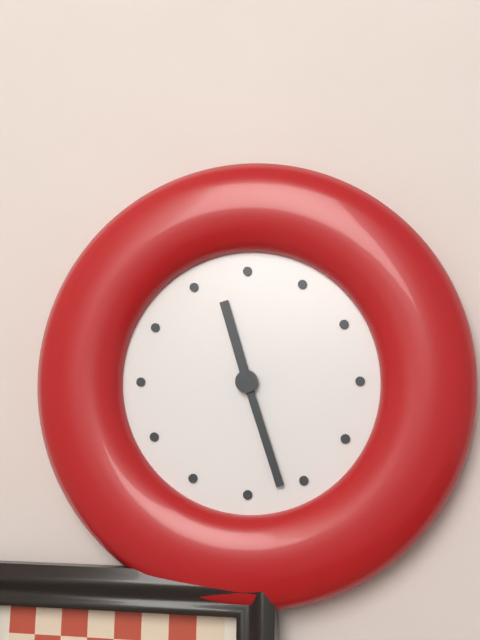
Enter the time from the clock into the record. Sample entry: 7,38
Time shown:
11,27
